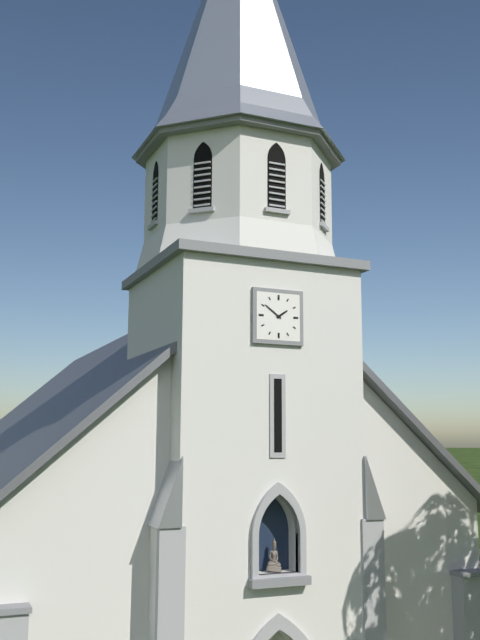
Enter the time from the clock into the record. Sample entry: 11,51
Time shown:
1,51
